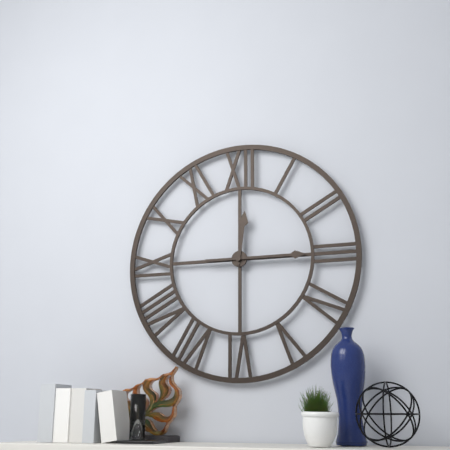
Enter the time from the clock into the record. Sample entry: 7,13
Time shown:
12,15
